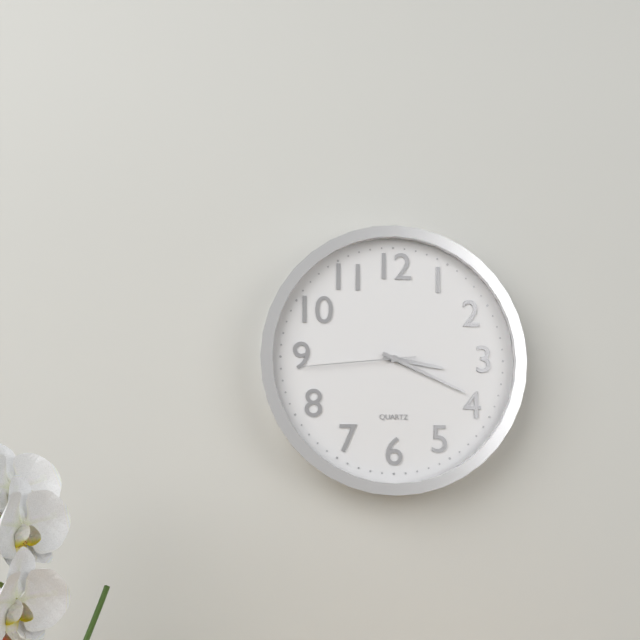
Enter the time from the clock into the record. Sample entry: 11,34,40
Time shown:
3,19,44
